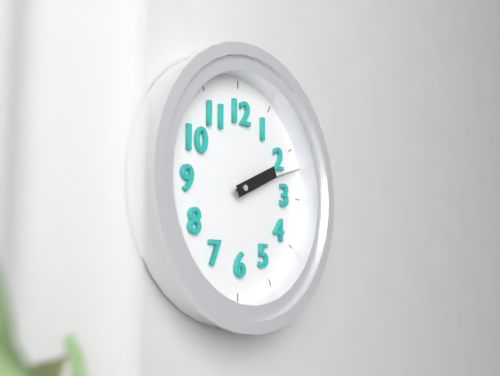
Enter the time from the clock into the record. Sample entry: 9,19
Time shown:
2,12
